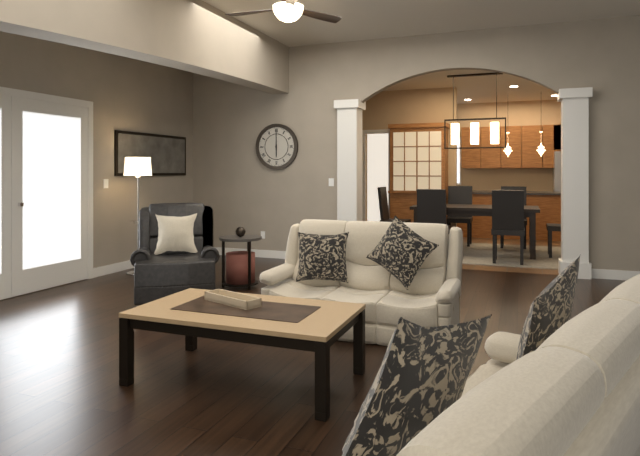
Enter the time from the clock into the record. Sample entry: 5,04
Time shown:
6,00
